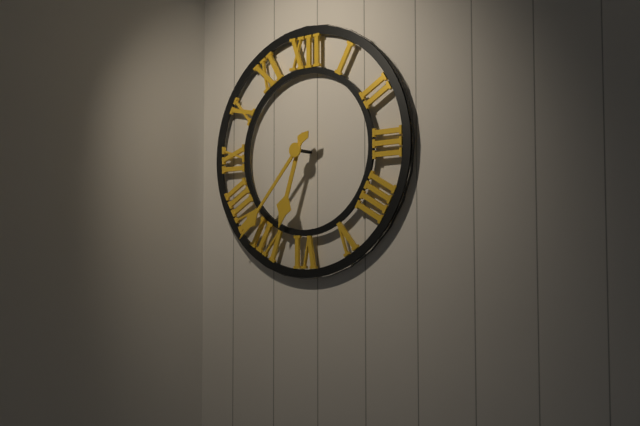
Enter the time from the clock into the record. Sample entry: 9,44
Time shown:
6,37
